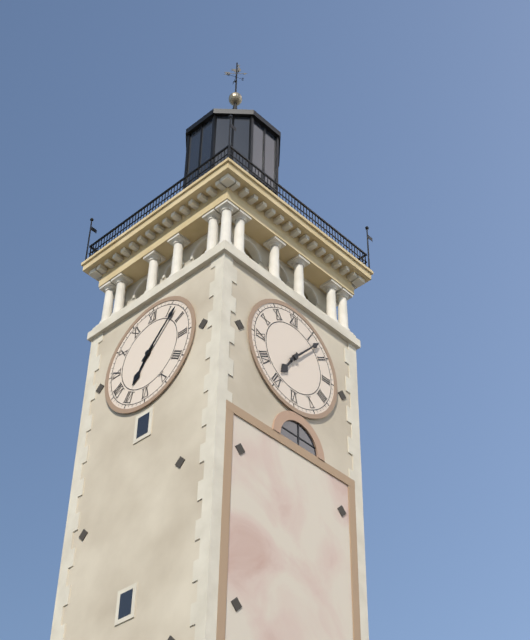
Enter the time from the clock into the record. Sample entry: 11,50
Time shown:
7,07
